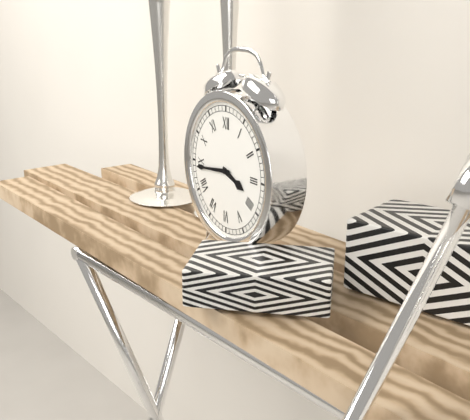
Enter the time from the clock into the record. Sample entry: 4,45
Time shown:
3,44
